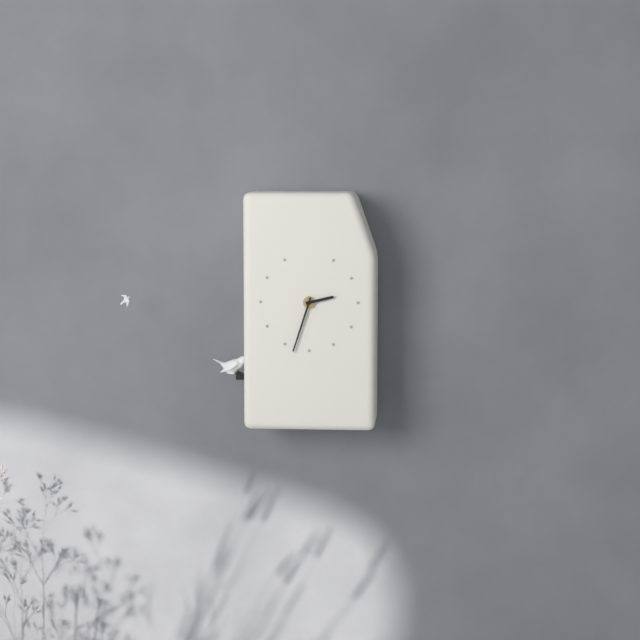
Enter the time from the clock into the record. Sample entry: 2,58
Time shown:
2,33
